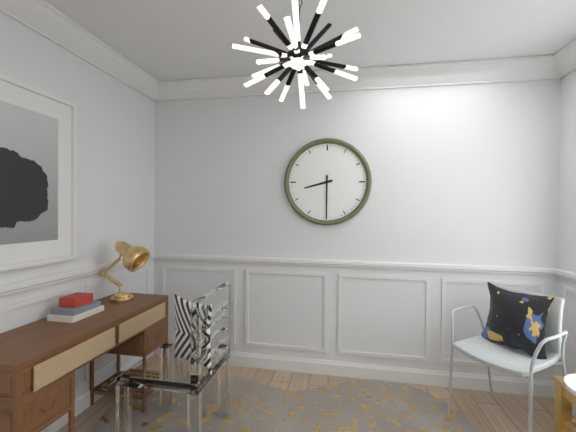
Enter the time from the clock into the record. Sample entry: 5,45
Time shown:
8,30
